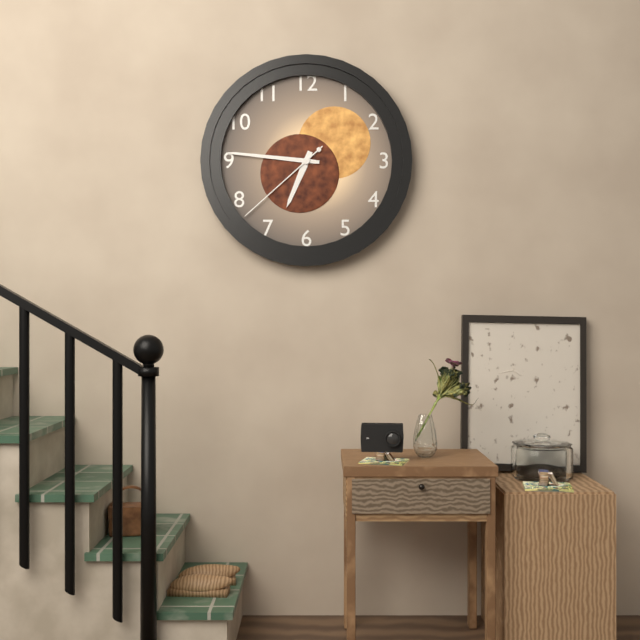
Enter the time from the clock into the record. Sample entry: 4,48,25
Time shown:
6,46,38
